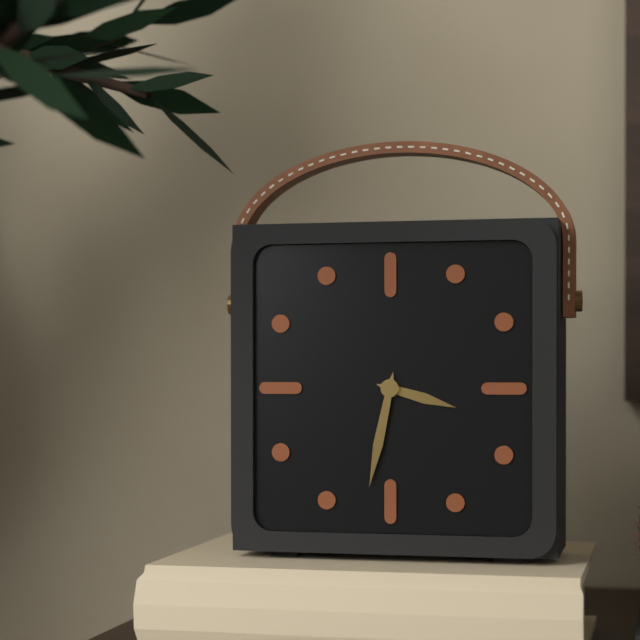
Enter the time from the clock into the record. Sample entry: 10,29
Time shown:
3,32
